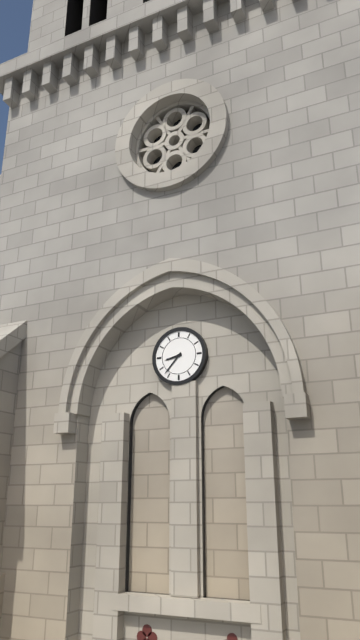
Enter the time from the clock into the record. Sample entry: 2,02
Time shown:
8,37
